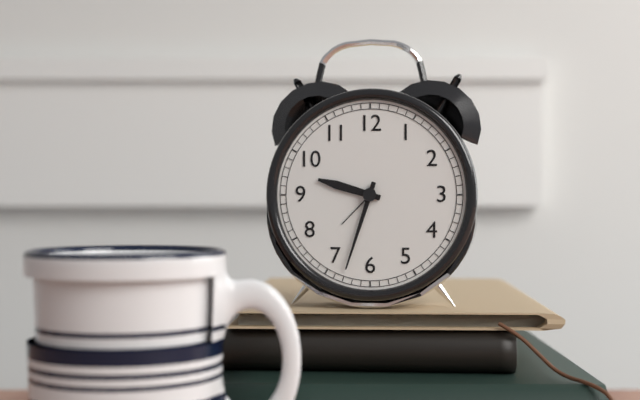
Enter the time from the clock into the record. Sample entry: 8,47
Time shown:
9,33
